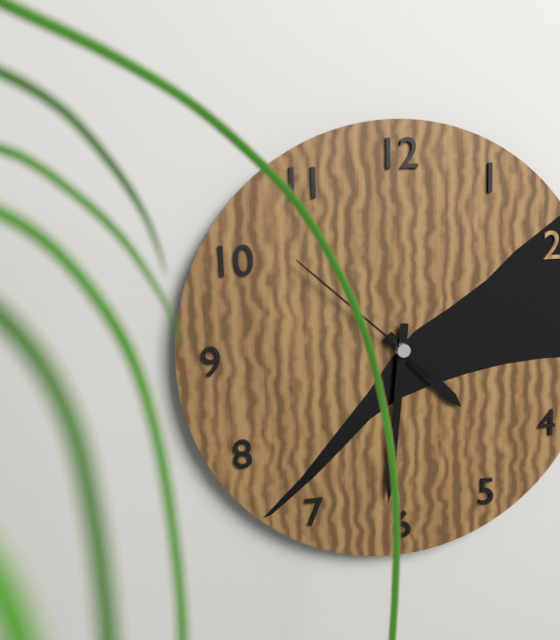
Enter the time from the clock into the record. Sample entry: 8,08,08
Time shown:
4,31,52
